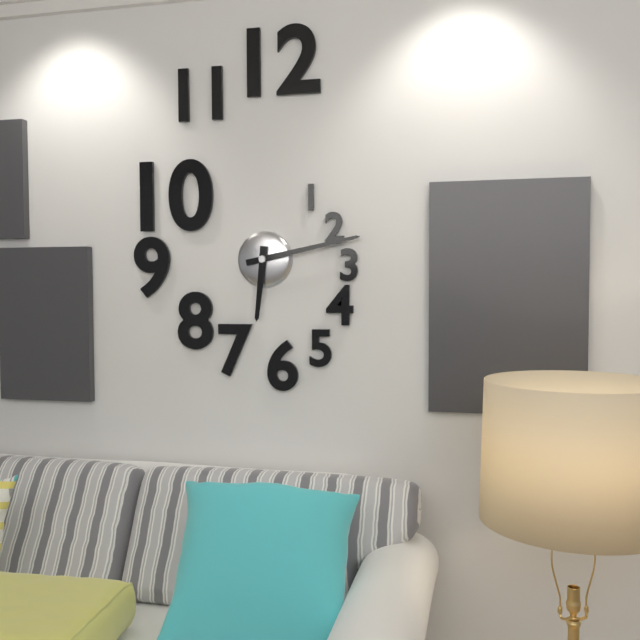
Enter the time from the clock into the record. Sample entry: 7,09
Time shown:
6,13
